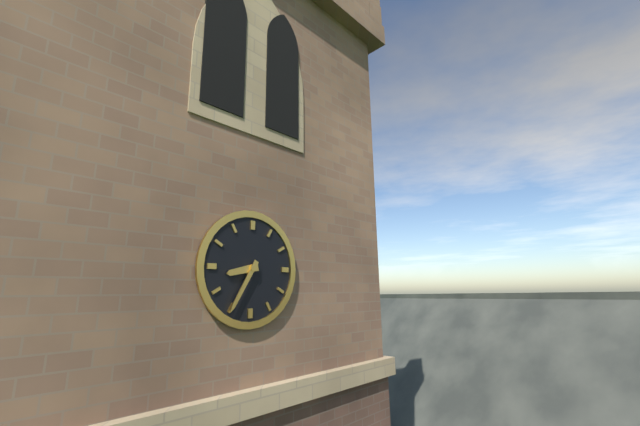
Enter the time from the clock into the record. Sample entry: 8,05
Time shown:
8,35
